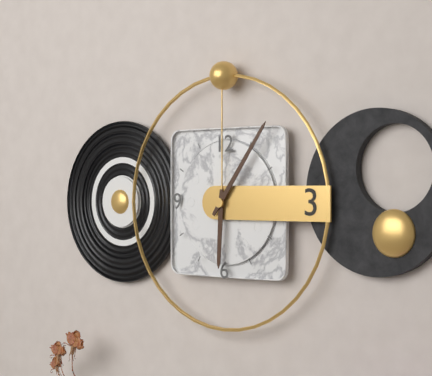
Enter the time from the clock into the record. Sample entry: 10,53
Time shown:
6,06
